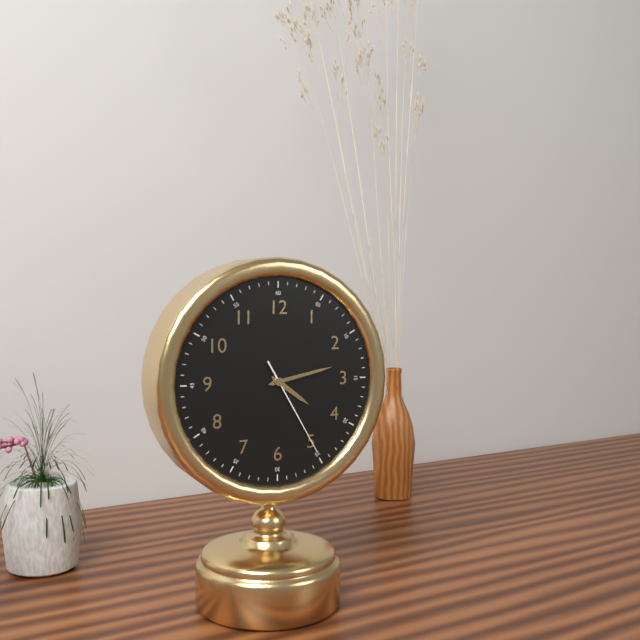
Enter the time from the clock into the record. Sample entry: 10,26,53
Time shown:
4,13,25
